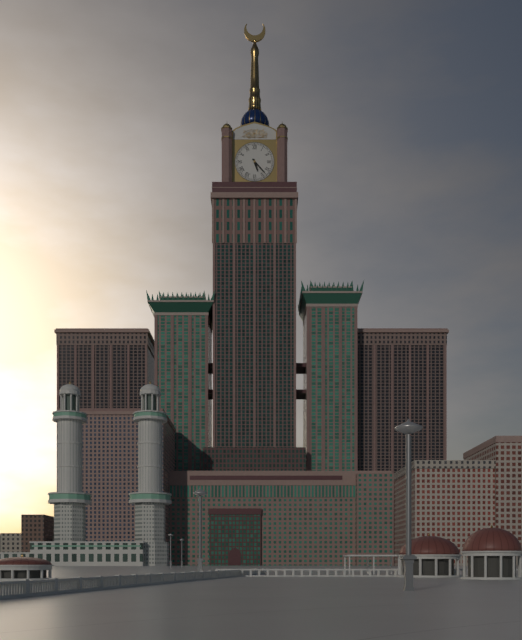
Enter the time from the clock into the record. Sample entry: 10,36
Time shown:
5,23
